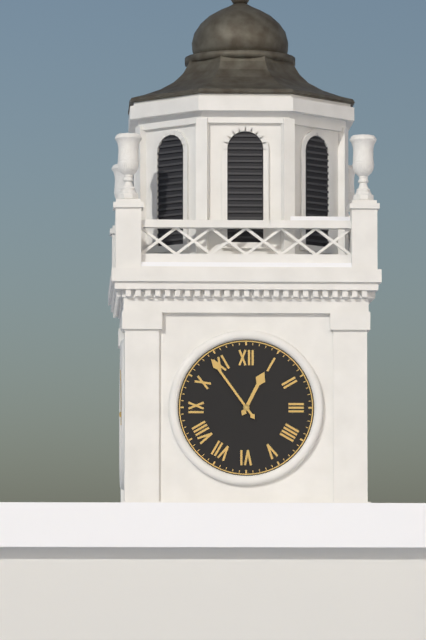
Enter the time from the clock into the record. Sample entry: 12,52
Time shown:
12,54
